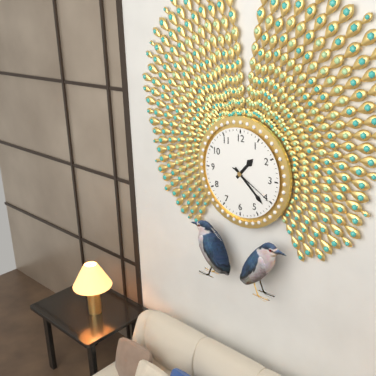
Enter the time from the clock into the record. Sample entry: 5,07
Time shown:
1,22
